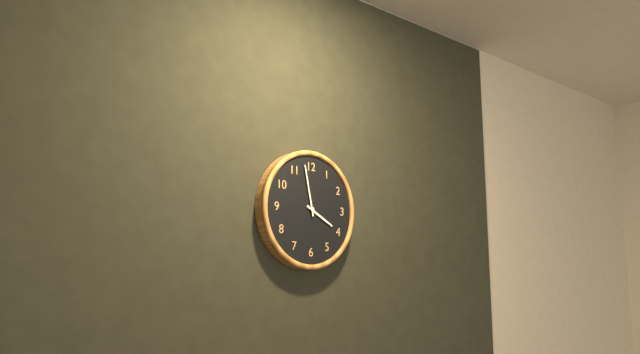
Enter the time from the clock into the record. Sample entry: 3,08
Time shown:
3,58
